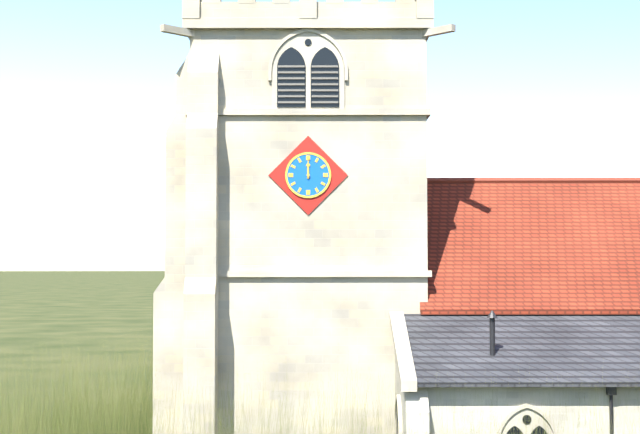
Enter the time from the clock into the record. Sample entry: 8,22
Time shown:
12,00
